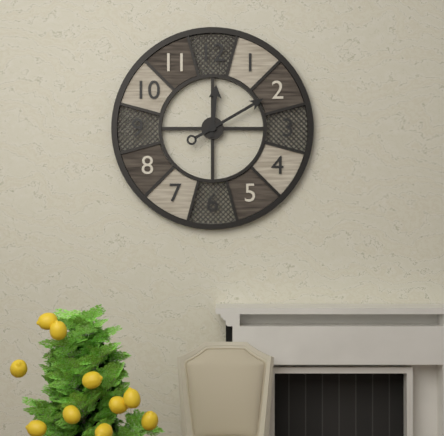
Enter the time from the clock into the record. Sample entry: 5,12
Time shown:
12,10
